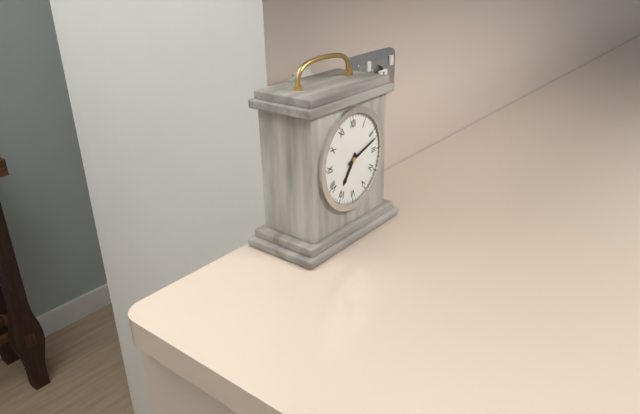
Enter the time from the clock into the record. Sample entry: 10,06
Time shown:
7,12
